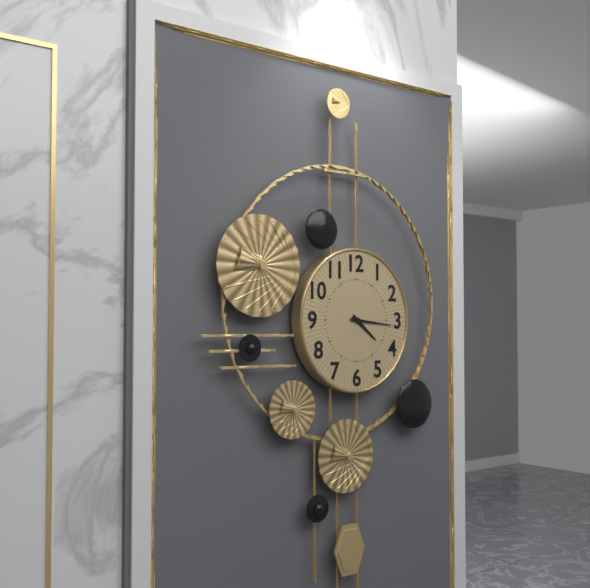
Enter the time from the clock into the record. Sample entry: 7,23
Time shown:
4,16
